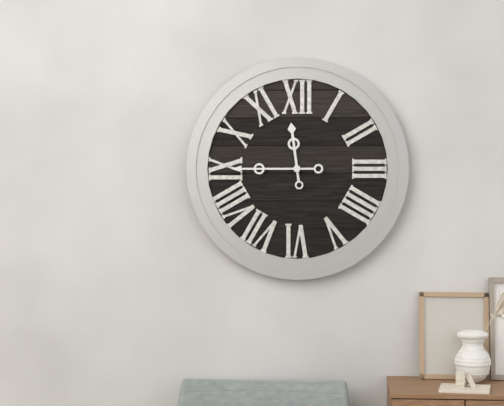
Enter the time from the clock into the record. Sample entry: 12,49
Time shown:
11,45
